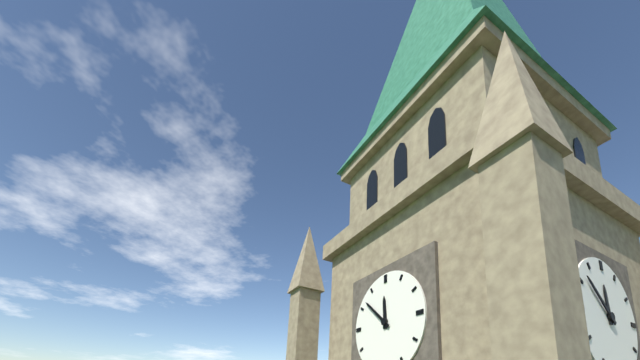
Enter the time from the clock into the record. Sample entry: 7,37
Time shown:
11,52
